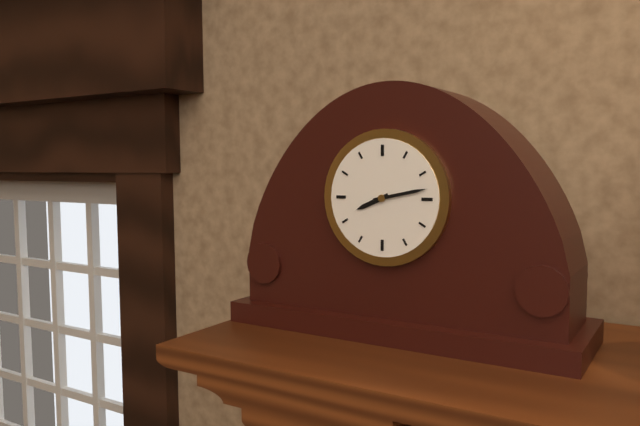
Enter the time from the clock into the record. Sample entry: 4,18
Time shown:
8,13
